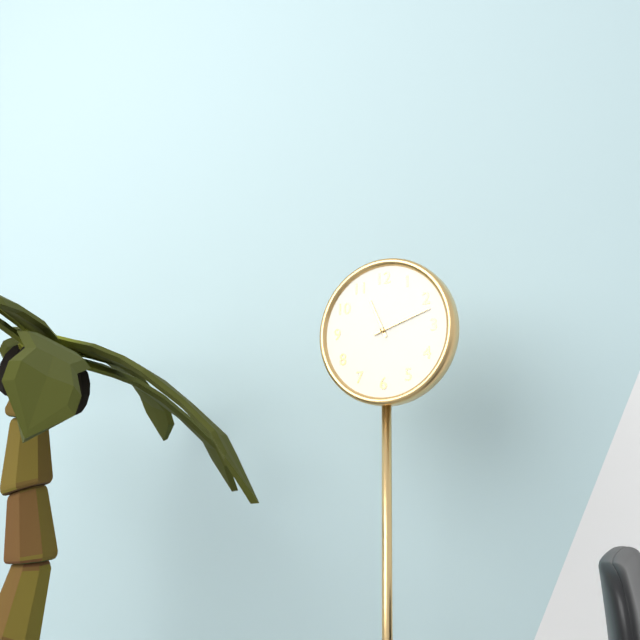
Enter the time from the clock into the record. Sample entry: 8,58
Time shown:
11,12
